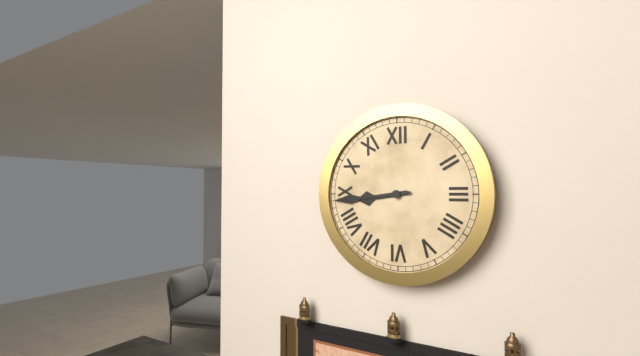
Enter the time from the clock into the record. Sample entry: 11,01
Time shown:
8,44
